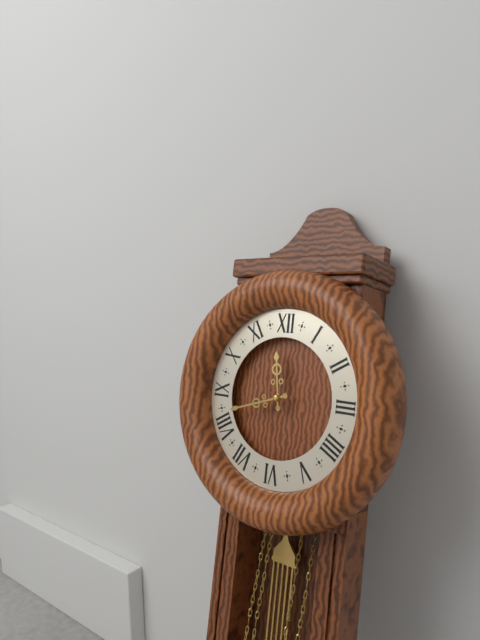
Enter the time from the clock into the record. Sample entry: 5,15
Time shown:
11,42
